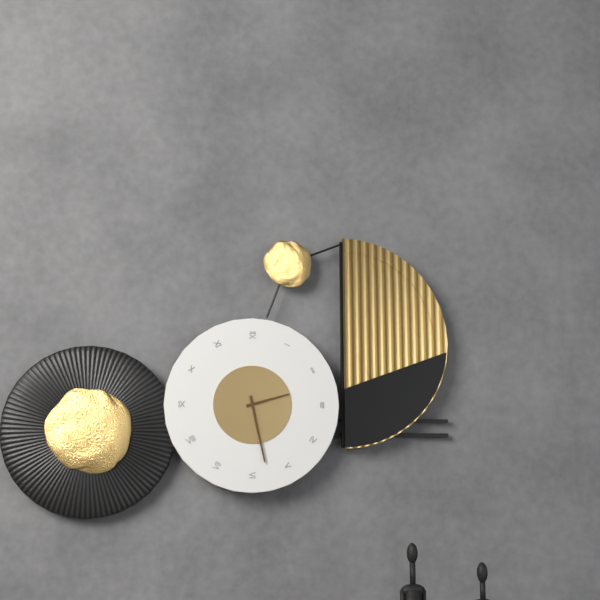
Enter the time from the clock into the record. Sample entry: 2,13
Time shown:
2,28
